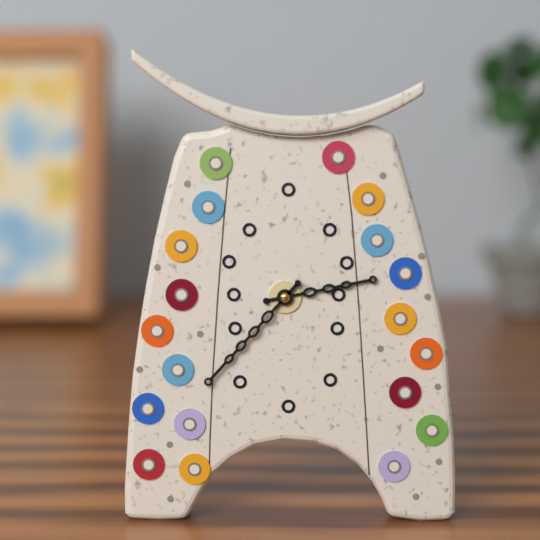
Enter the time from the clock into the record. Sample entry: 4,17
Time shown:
2,37
